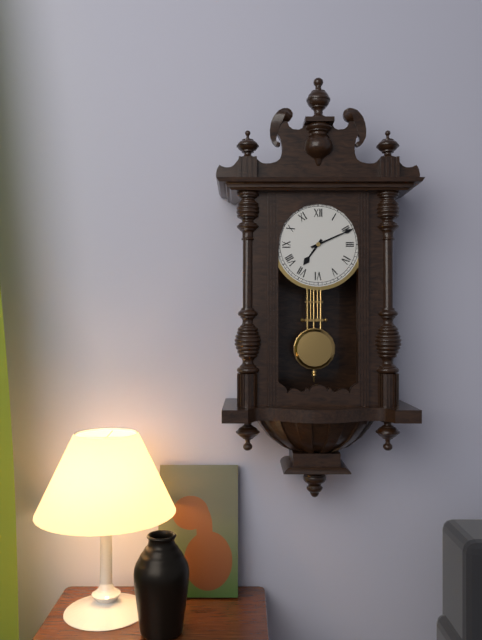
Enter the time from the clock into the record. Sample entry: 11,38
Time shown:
7,11
